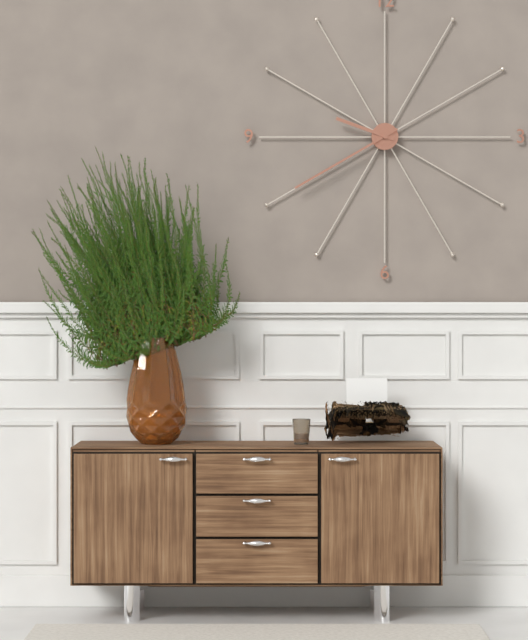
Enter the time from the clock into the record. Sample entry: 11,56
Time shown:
9,40
